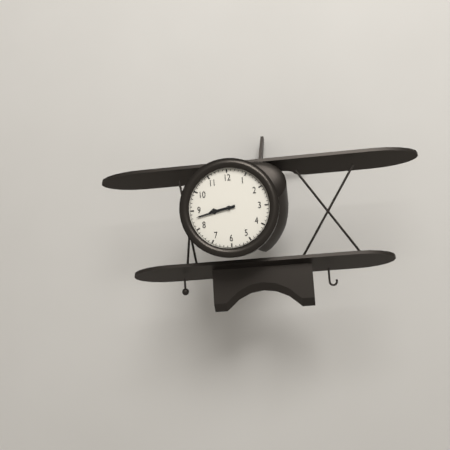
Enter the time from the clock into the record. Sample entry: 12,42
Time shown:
8,43
